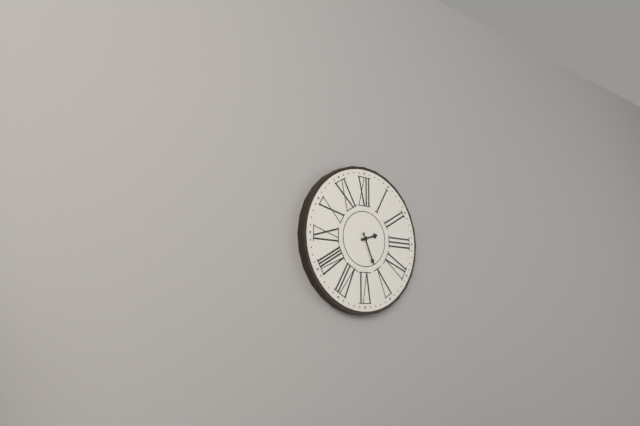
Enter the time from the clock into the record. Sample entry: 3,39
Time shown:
2,26
